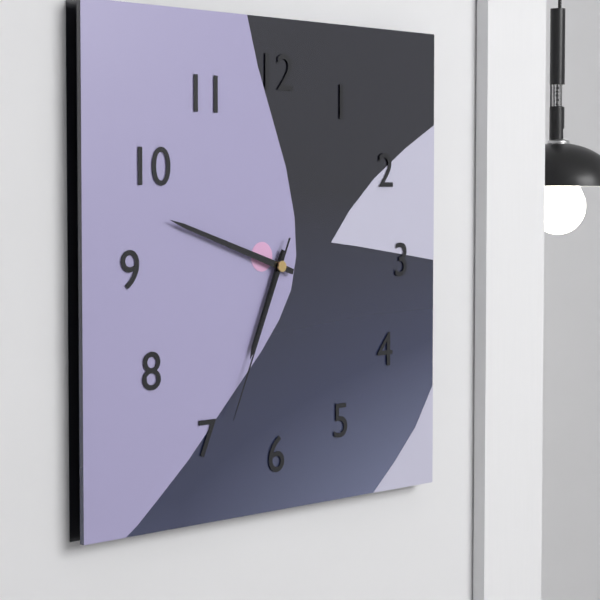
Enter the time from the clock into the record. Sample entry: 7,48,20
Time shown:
6,48,34
